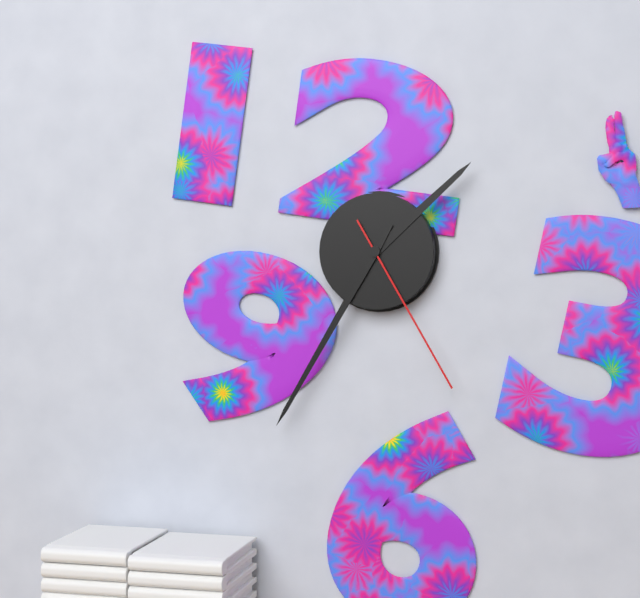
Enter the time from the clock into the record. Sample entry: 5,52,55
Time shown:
1,35,25
